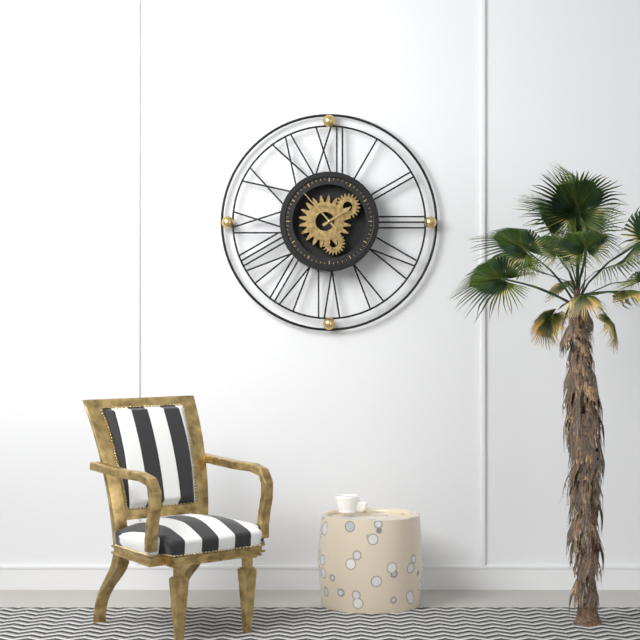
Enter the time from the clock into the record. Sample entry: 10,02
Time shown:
1,53
